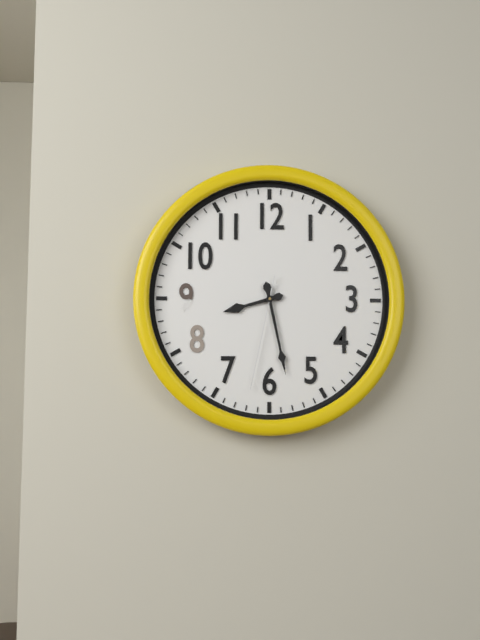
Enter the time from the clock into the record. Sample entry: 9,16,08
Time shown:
8,28,32
